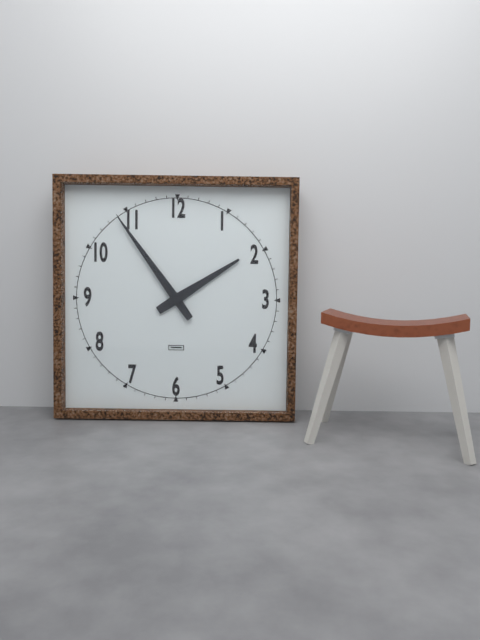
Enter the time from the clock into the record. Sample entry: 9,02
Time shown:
1,54
